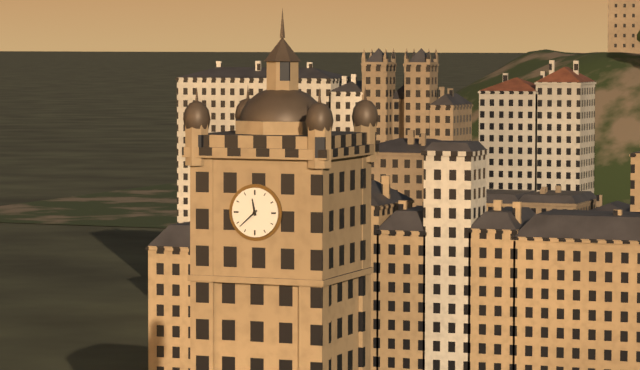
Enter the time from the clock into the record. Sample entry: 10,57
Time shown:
11,38
